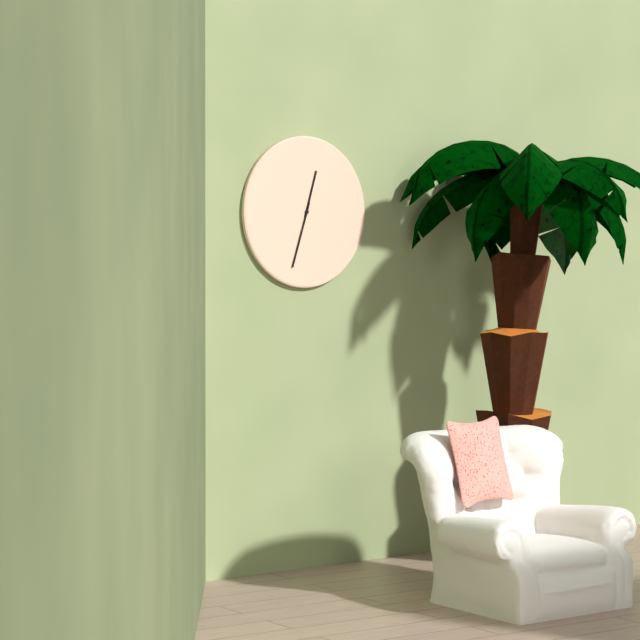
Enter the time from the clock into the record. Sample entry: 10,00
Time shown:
12,33
